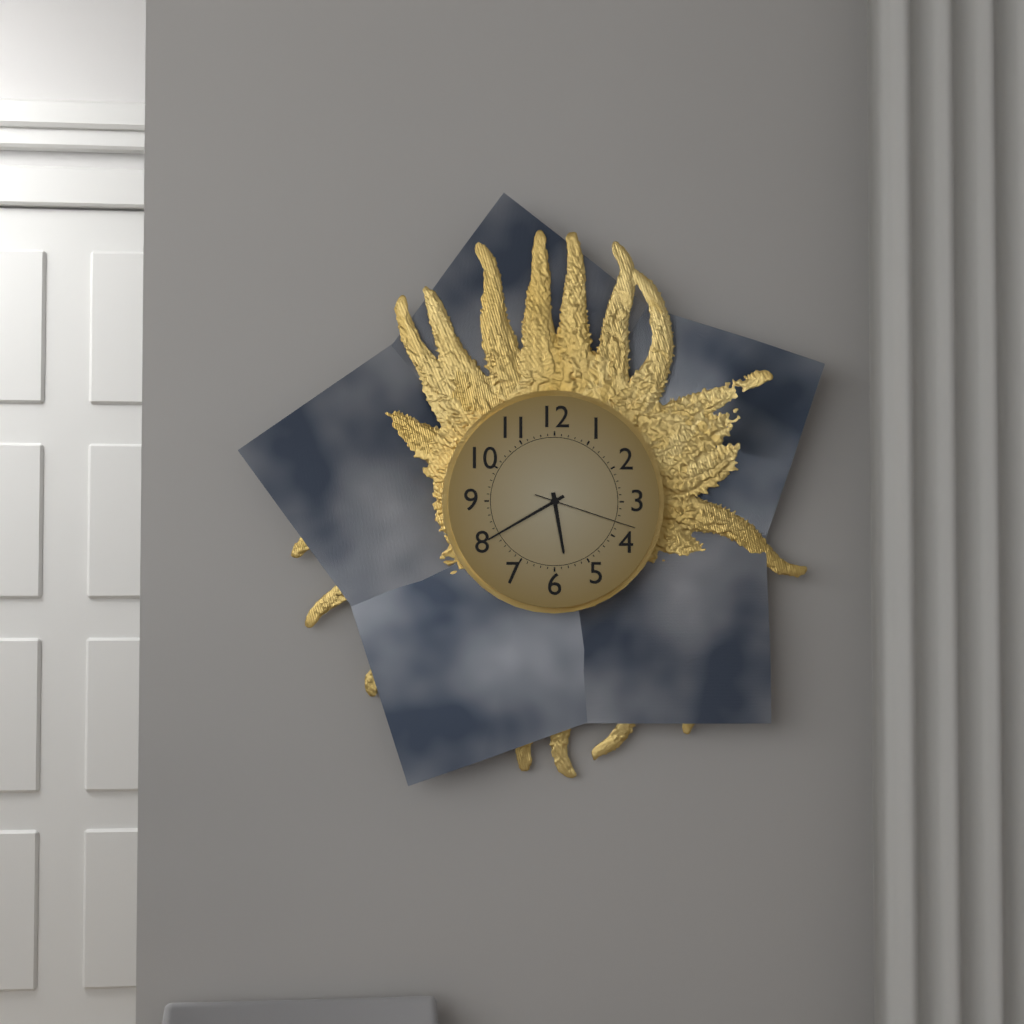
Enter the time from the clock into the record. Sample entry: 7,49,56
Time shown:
5,40,18
